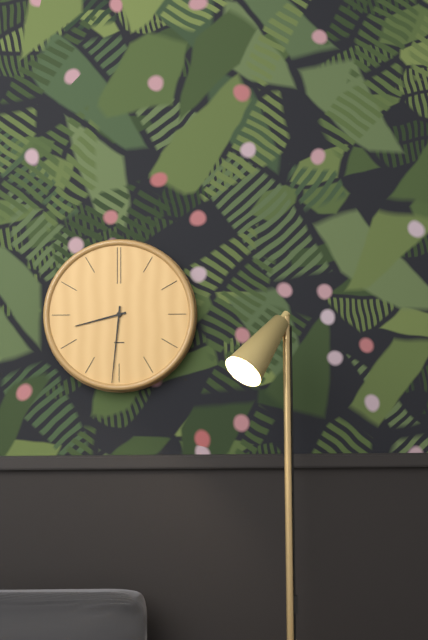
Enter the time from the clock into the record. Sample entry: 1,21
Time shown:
8,31
